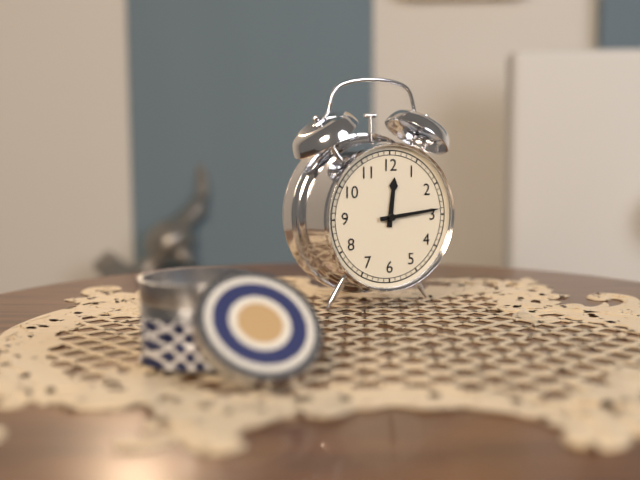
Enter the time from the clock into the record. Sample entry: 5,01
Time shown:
12,14
